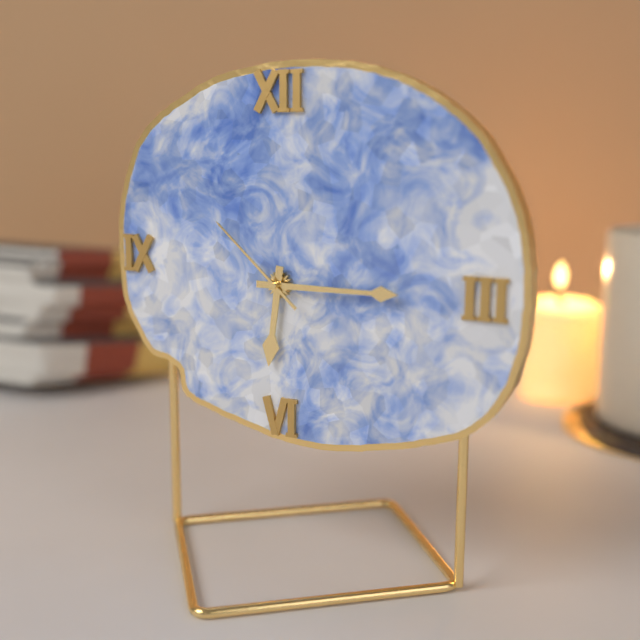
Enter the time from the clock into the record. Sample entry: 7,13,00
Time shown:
6,15,52
